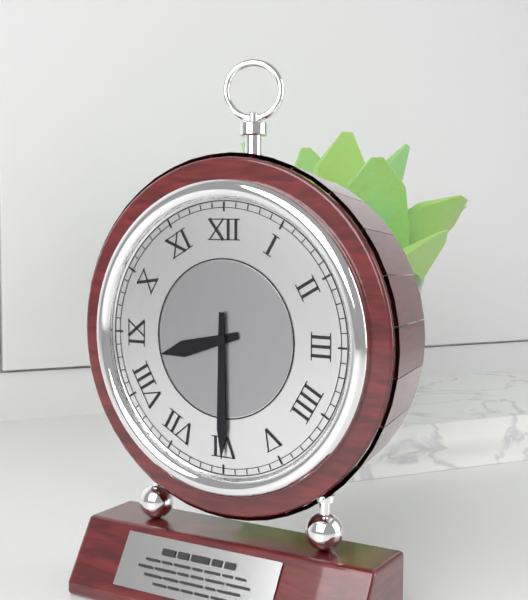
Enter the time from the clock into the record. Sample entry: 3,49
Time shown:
8,30
